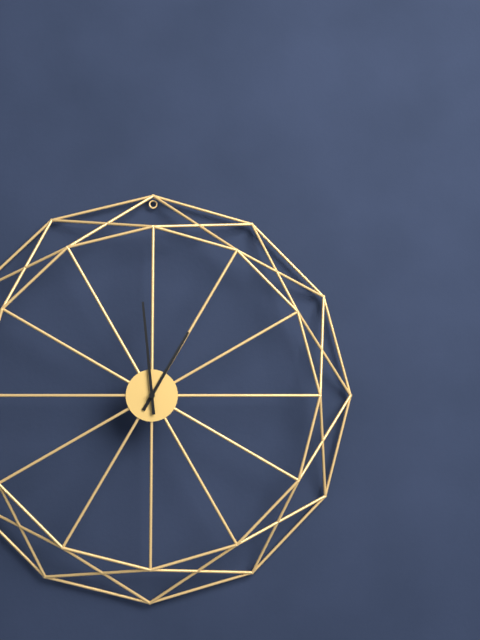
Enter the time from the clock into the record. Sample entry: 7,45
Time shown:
12,59
